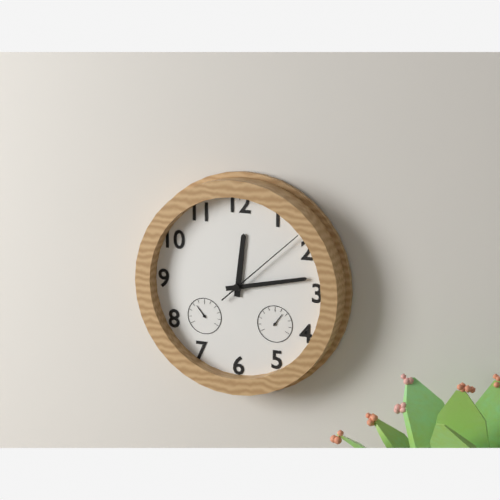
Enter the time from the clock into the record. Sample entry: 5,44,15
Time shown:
12,13,08
